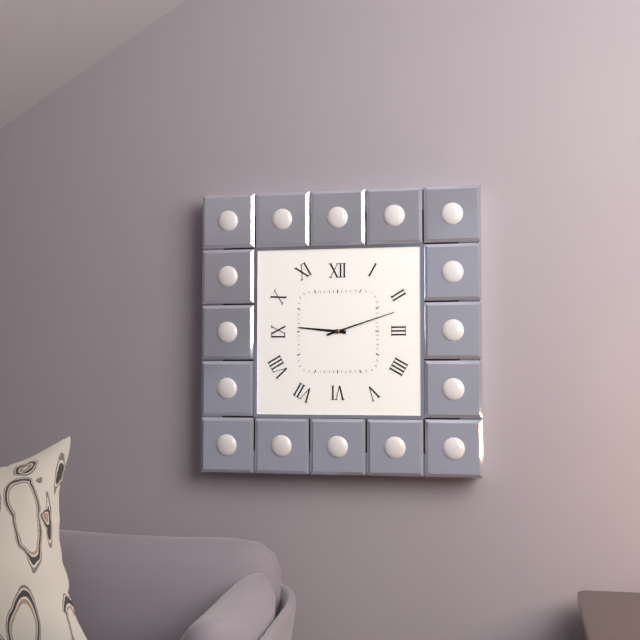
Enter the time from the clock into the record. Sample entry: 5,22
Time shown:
9,12
